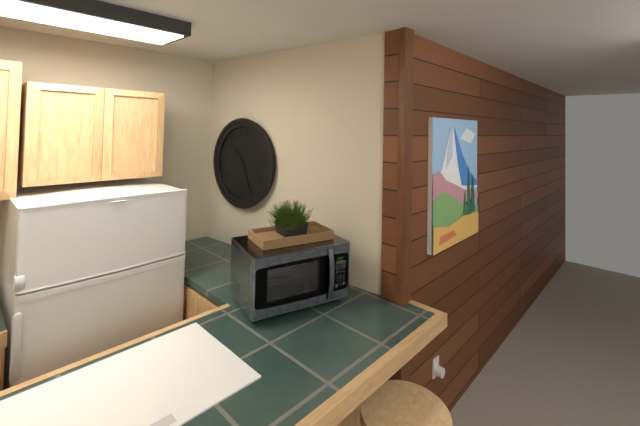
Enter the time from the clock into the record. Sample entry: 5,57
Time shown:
10,26
